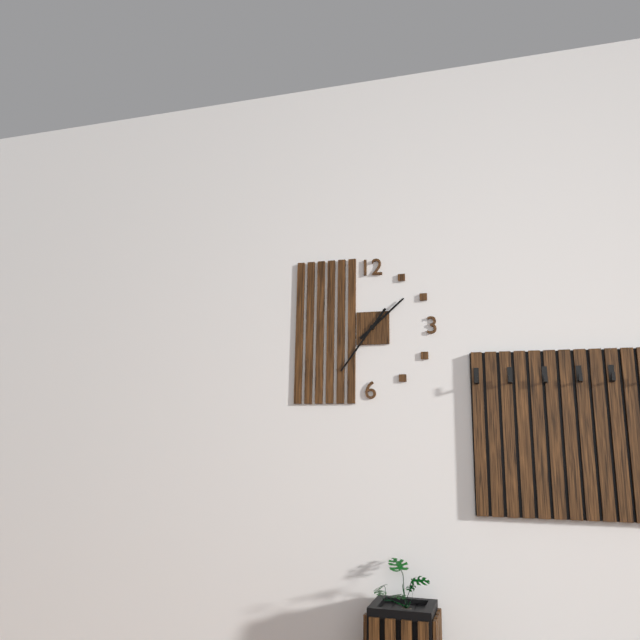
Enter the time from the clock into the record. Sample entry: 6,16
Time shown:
1,36
